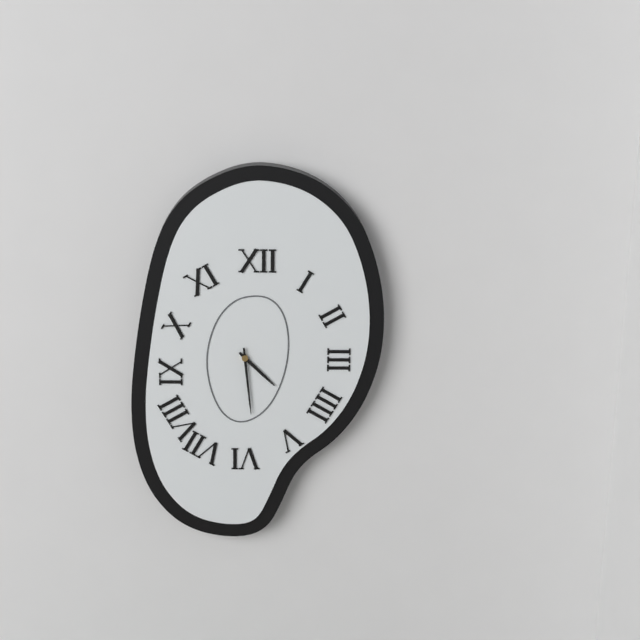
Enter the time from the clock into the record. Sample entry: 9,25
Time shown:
4,29
